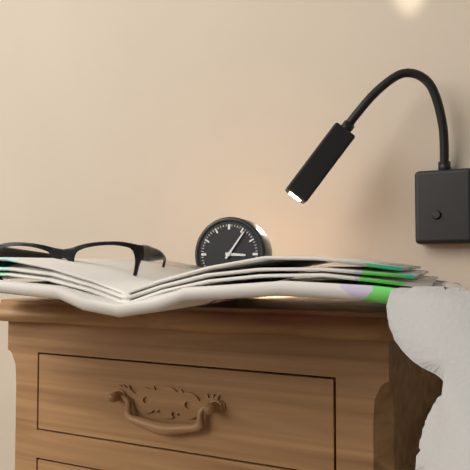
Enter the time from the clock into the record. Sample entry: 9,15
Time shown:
3,06
